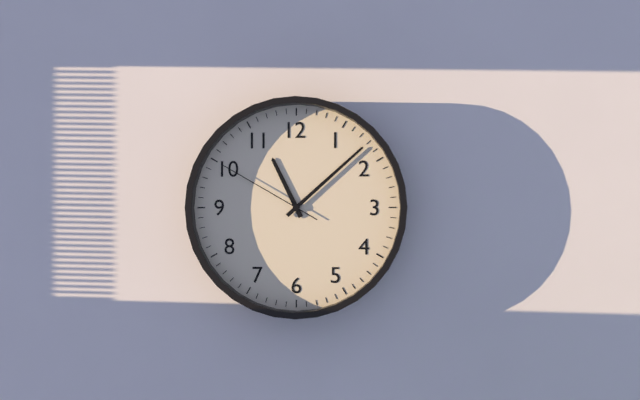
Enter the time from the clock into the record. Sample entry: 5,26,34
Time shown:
11,08,50
